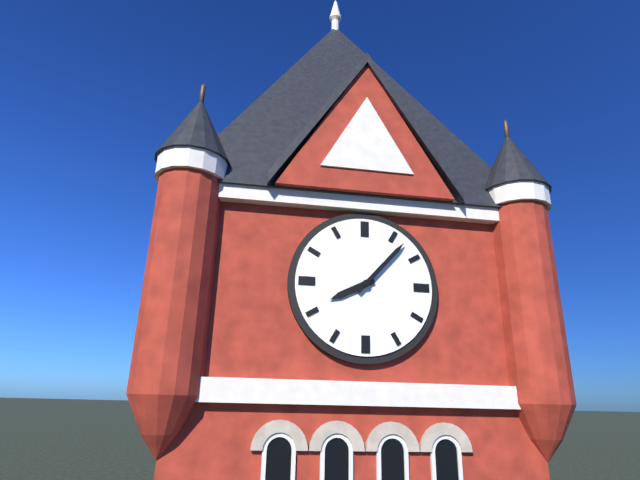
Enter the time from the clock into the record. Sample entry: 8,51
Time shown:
8,07
